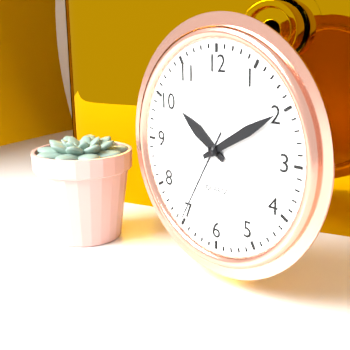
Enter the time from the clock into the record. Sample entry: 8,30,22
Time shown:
10,10,35
